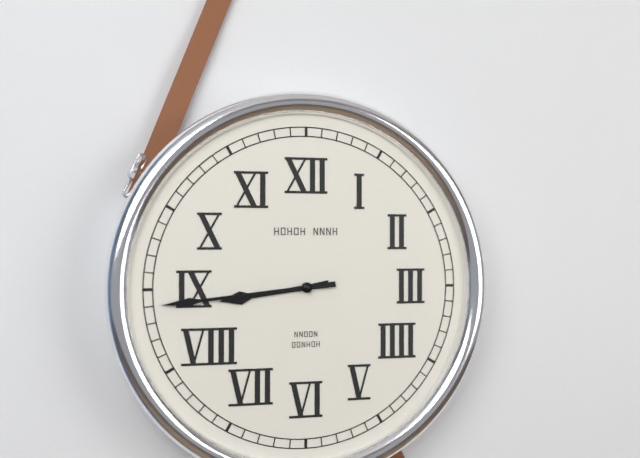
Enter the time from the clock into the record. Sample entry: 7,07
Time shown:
8,44
